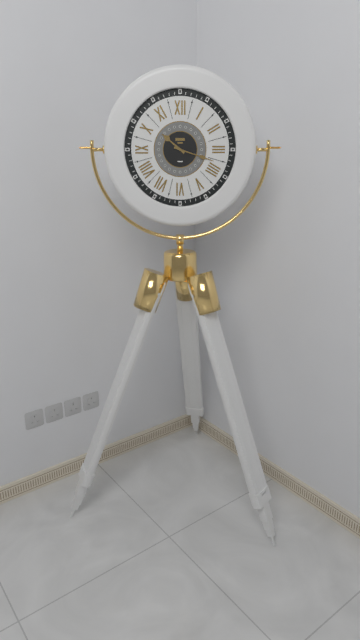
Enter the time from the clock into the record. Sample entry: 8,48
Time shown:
10,18
